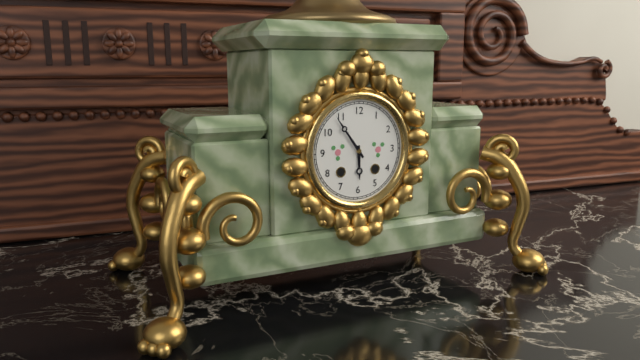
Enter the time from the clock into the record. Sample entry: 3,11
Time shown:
5,54
